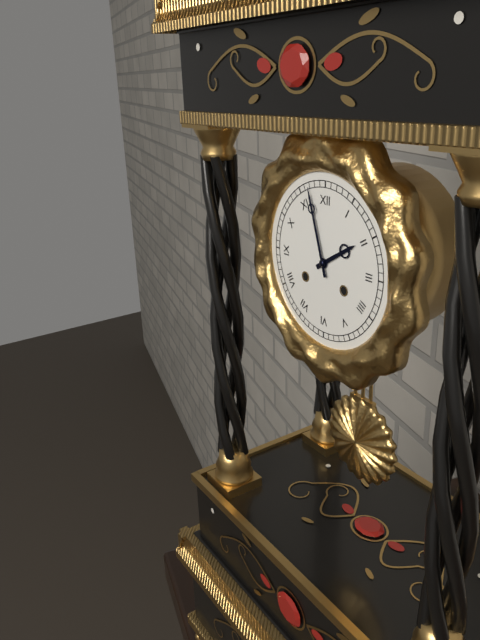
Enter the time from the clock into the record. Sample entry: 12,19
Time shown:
1,57
